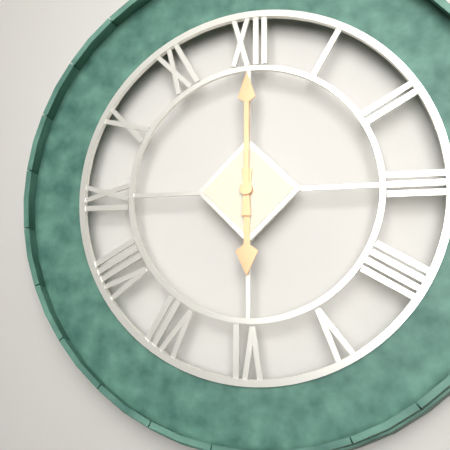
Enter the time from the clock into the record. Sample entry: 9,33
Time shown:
6,00
